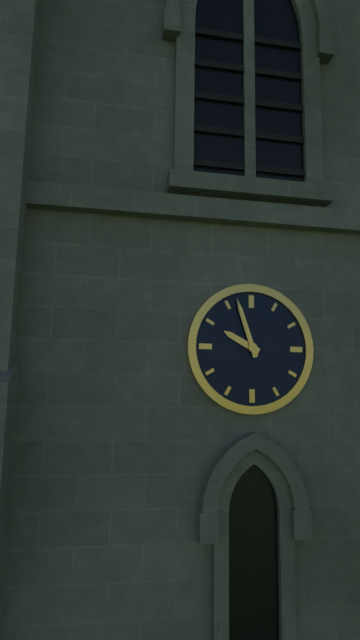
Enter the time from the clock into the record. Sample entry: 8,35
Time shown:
9,57
